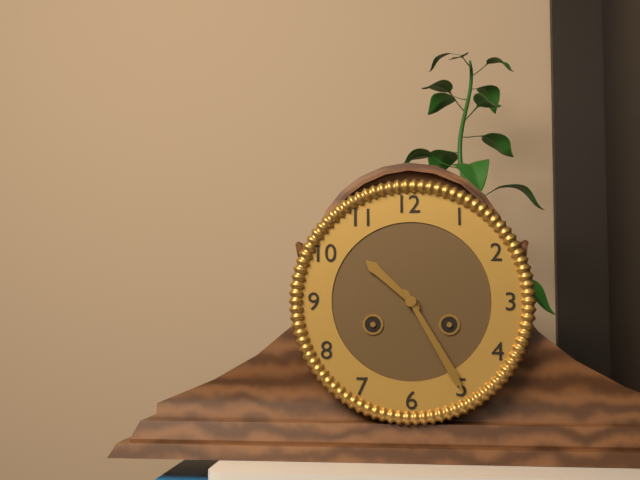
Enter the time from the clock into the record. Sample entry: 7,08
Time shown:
10,25
